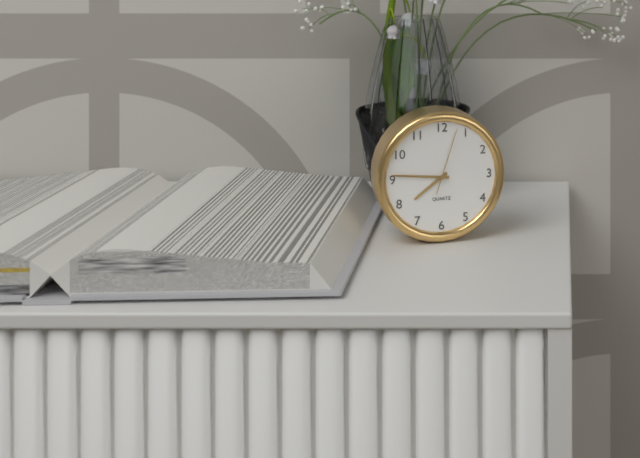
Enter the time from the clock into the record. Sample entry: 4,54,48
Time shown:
7,46,03
